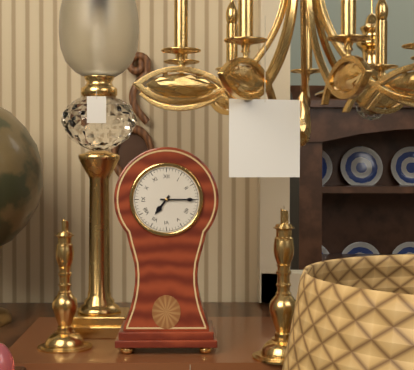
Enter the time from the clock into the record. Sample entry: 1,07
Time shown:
7,15
